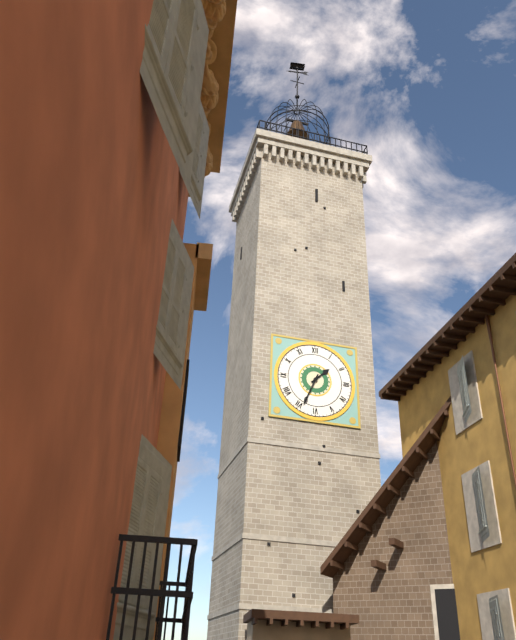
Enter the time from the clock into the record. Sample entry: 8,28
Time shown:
1,34
